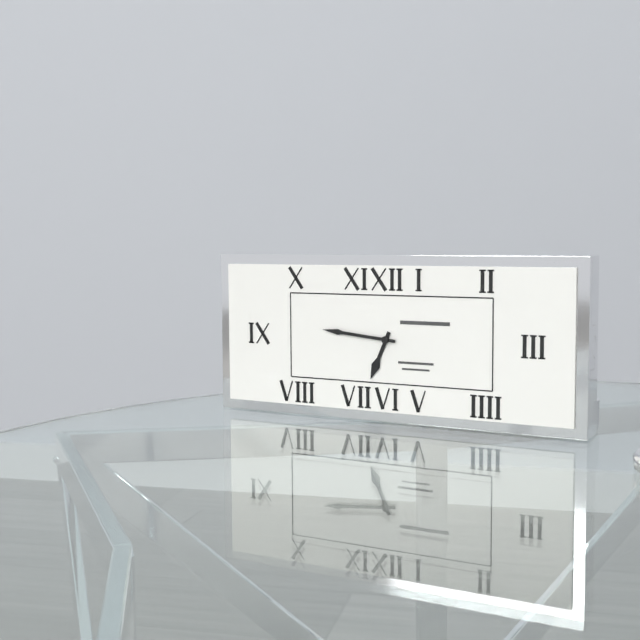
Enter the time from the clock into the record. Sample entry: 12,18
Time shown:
6,46
